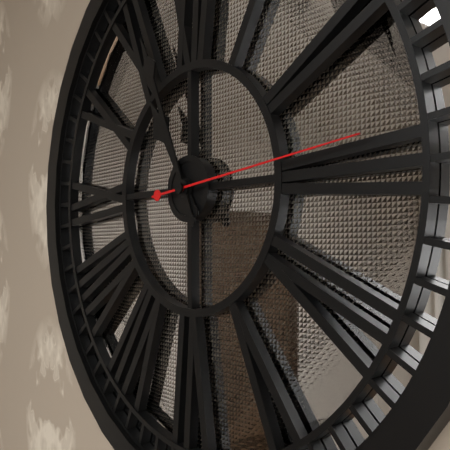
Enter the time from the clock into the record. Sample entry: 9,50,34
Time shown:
10,56,14
